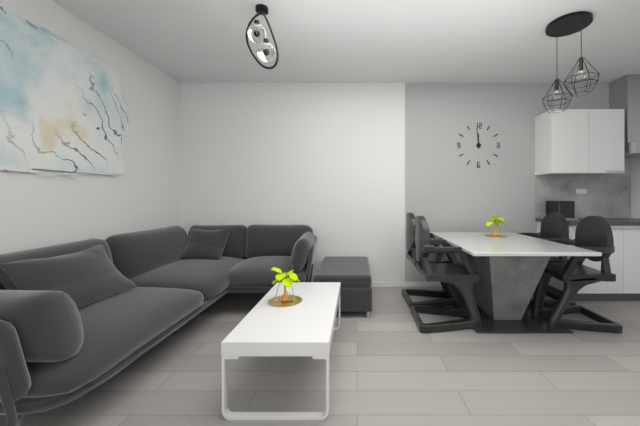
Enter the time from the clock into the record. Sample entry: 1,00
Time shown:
11,59
